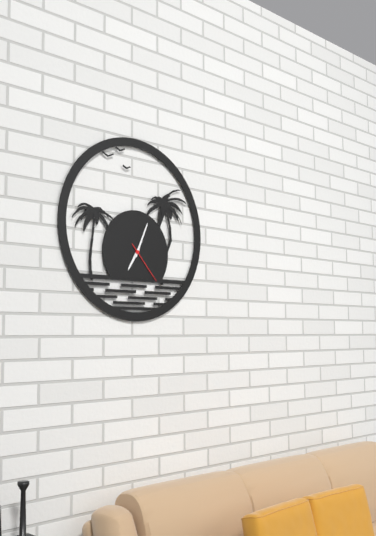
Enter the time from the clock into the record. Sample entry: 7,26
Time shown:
7,04
